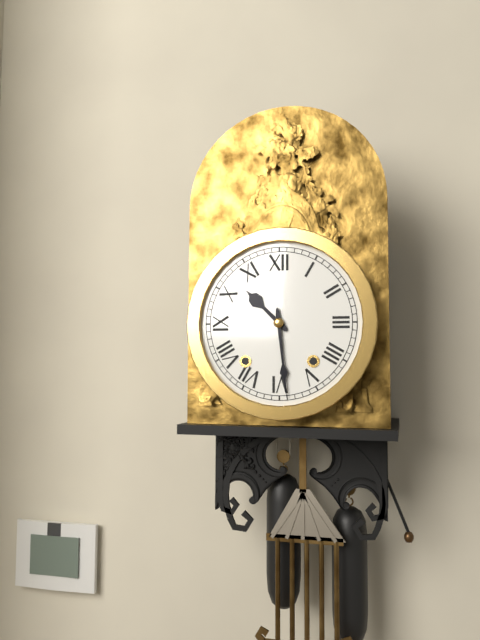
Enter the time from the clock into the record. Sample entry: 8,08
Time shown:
10,29
